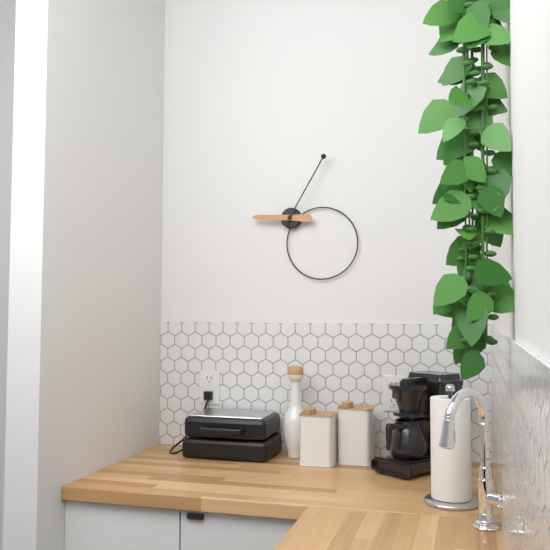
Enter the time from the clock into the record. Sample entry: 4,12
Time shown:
9,05
